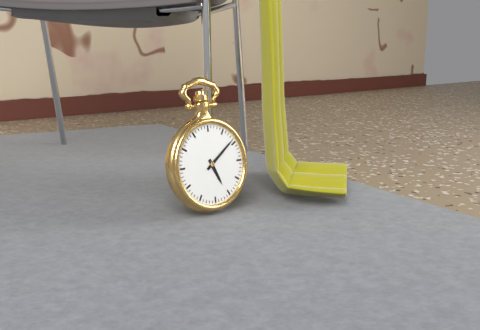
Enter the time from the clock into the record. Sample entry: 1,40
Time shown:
5,09
